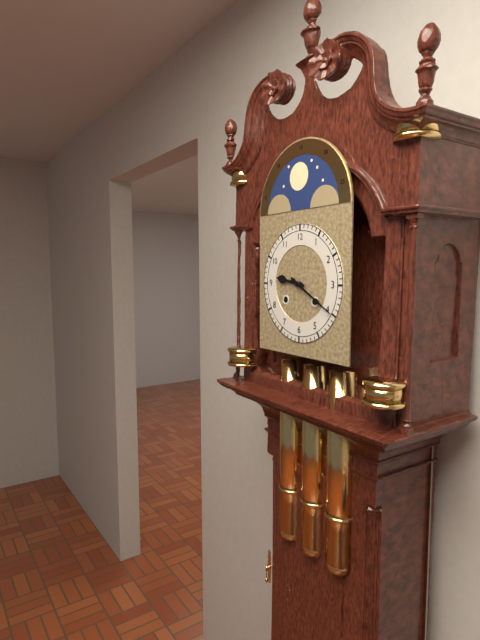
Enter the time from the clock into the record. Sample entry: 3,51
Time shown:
9,20
